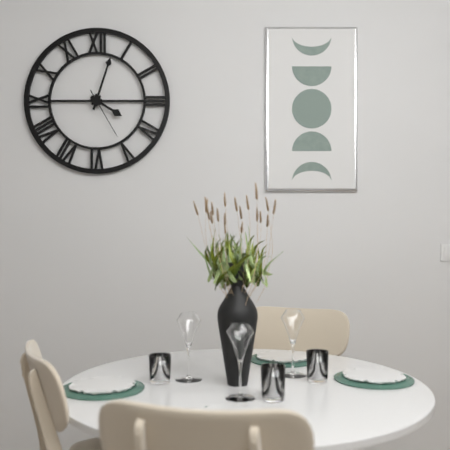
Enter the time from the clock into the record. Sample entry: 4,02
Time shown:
4,03
